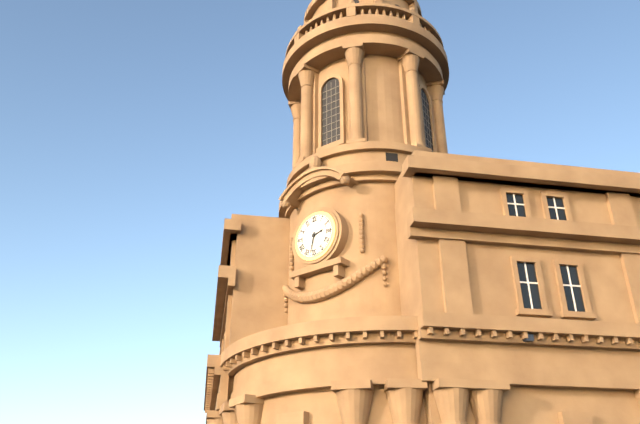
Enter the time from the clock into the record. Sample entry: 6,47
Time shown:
2,32
